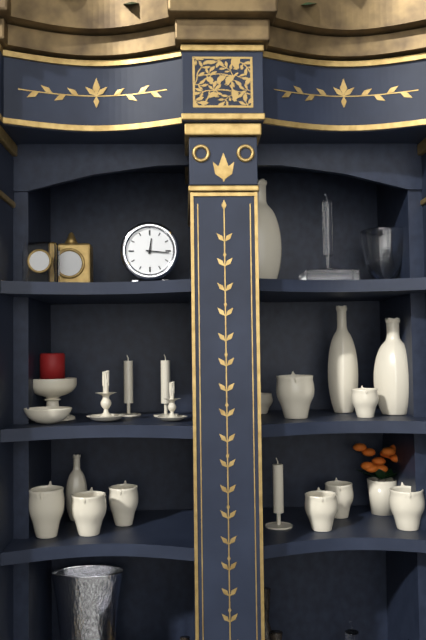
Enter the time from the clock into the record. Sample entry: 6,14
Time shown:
12,16
